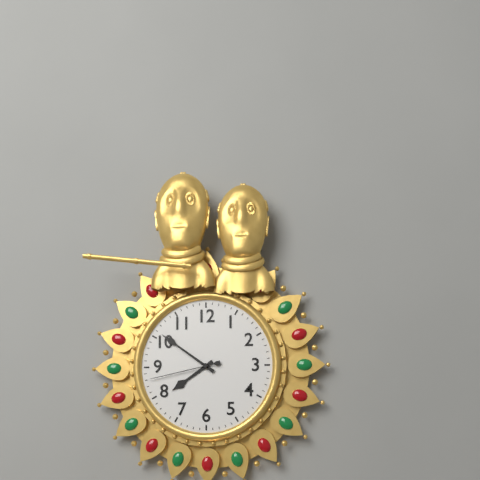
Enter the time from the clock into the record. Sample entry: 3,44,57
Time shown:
7,51,43
